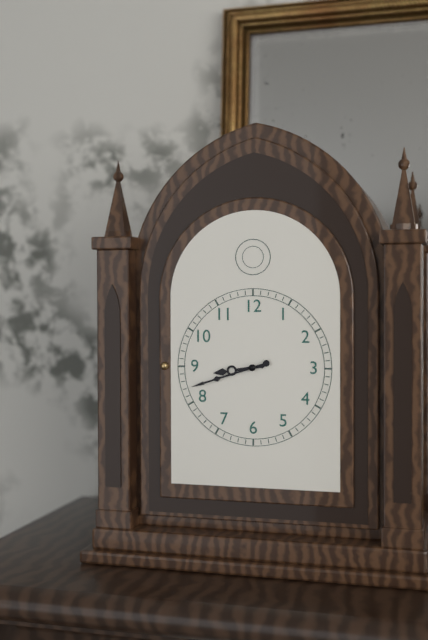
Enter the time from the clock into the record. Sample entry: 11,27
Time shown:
8,42
